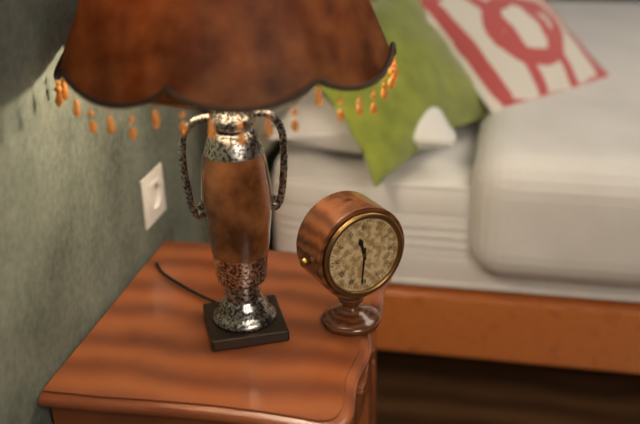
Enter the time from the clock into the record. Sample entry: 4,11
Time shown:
11,31
